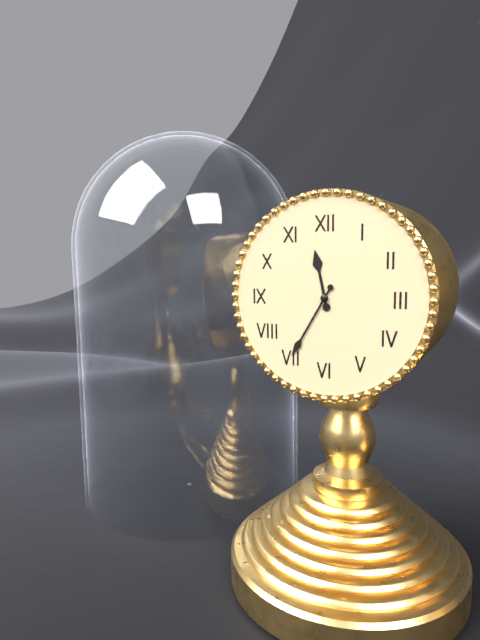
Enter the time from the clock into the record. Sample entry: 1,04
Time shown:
11,35
